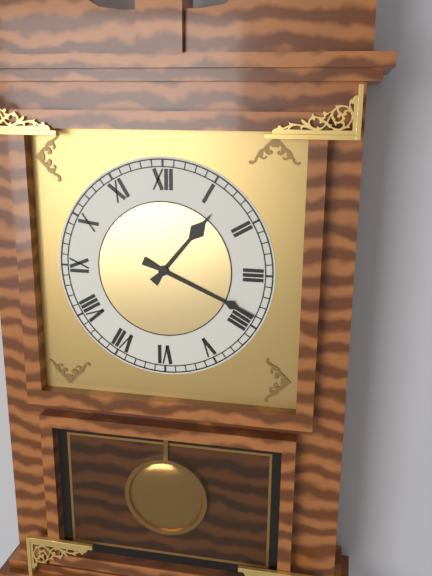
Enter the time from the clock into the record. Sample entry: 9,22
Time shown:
1,19
